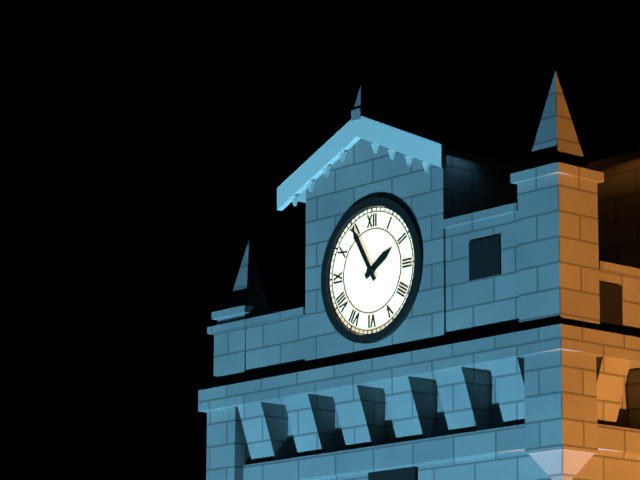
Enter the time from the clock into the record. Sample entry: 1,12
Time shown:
1,55
